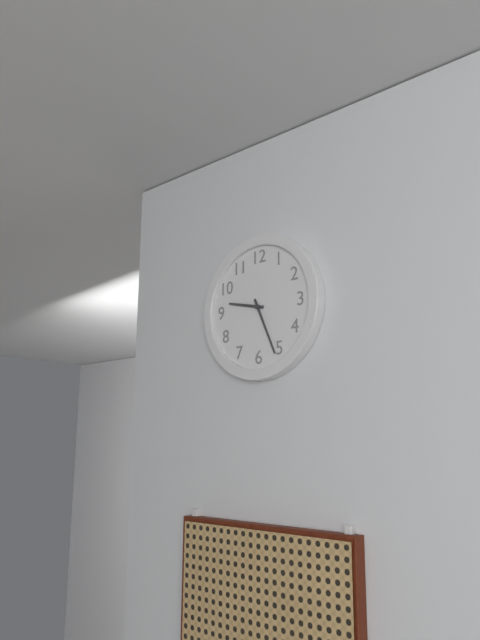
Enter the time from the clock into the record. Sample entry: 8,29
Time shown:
9,26
